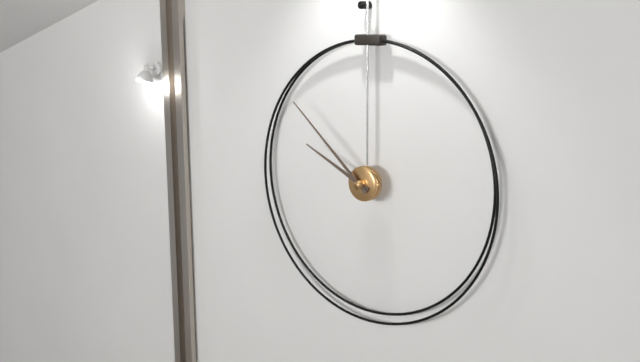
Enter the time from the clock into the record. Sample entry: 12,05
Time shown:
9,52
